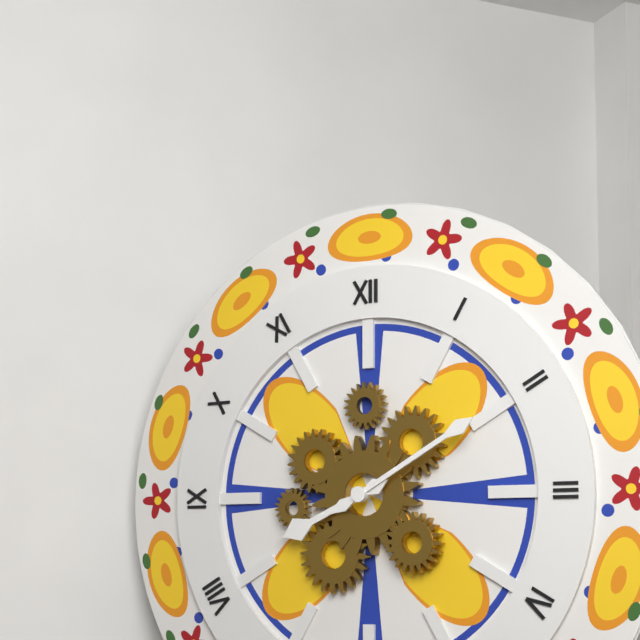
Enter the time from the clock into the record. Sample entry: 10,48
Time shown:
8,10
